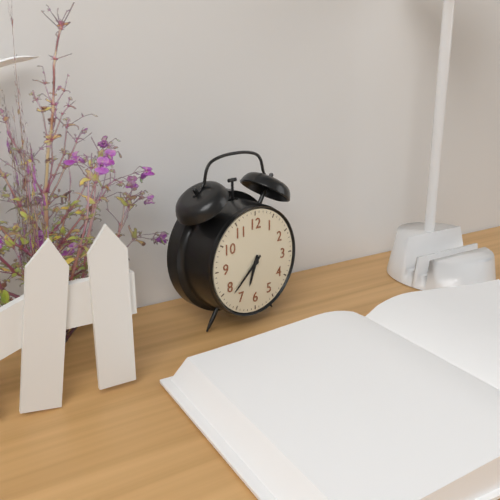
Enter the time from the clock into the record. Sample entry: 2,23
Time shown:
6,38
